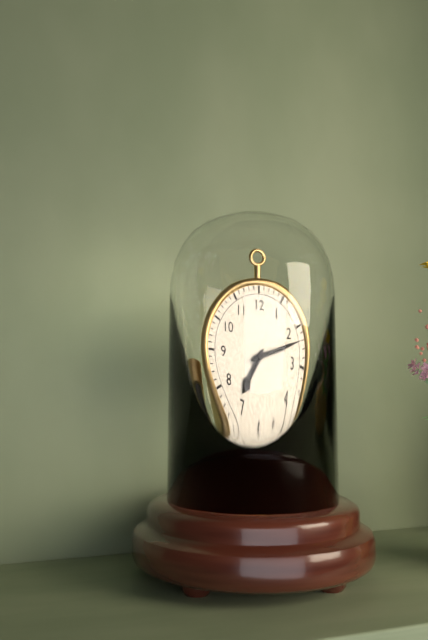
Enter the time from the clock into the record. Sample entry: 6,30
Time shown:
7,12
